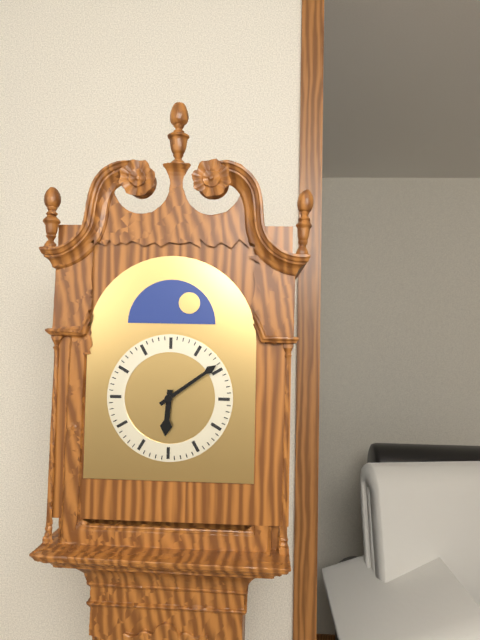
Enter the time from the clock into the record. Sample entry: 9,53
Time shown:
6,09
